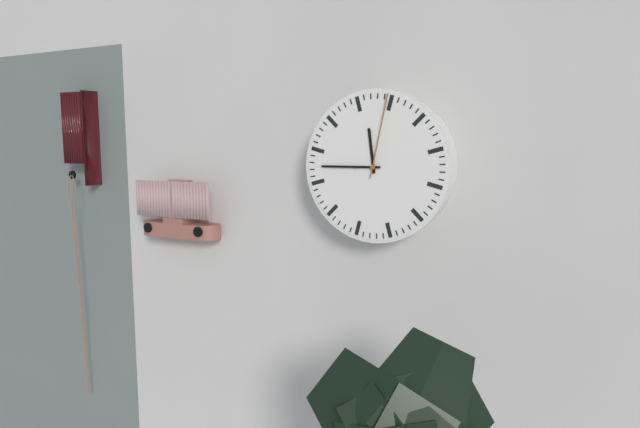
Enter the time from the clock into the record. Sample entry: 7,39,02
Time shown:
11,45,02
